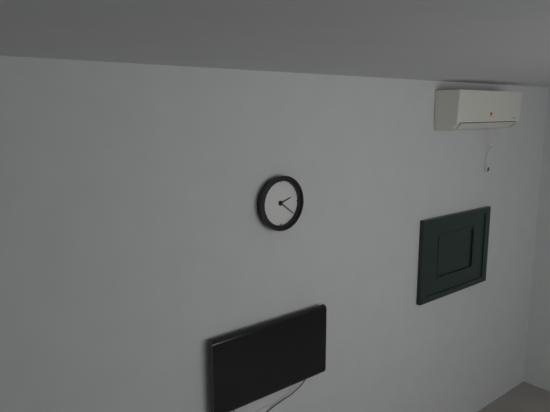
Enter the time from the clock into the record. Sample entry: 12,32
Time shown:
2,21
